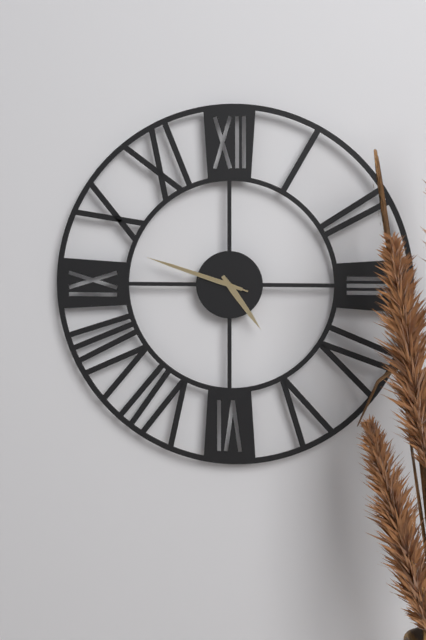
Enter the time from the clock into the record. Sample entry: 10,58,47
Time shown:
4,48,48
